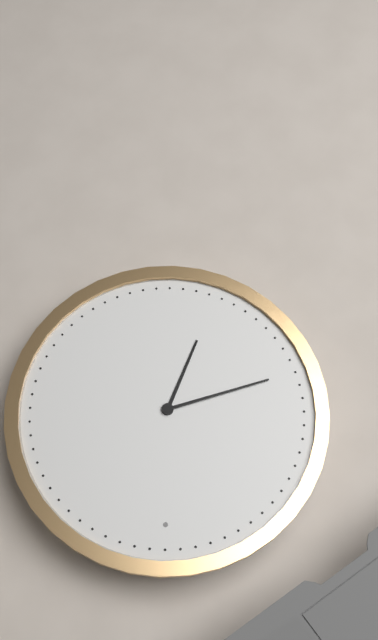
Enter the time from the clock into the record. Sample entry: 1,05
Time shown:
6,42
